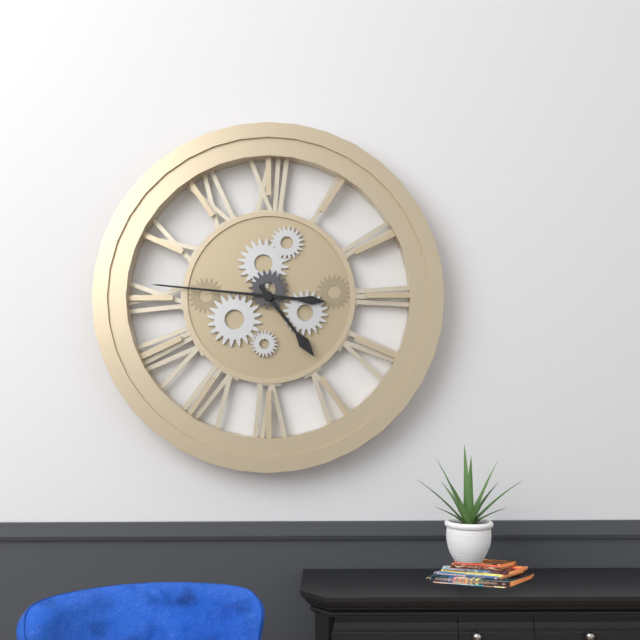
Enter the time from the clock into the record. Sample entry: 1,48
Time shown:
4,46
